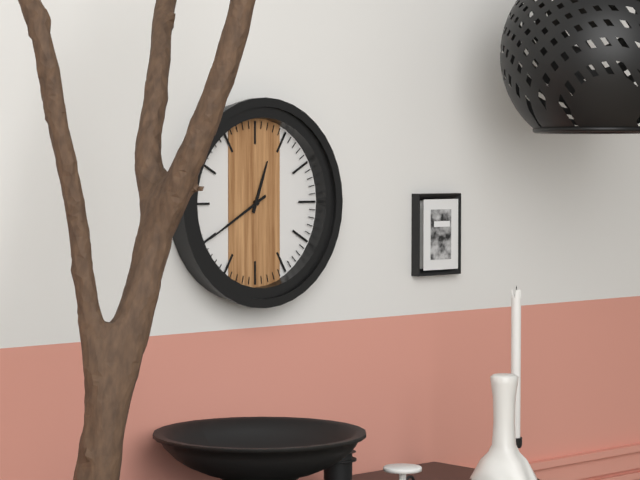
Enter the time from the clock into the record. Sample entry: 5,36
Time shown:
12,40
